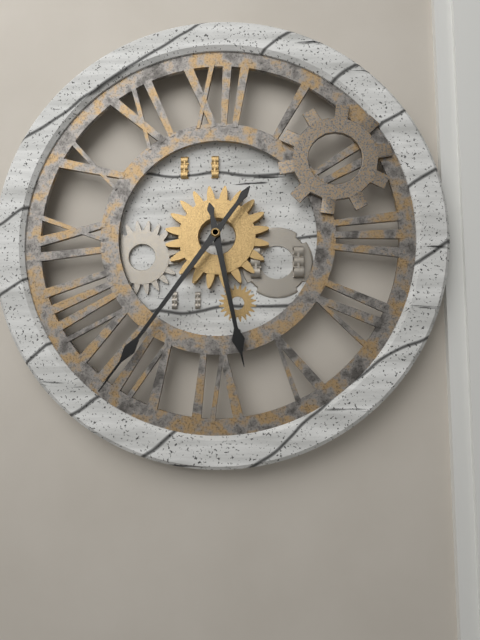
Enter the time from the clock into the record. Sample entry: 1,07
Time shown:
5,36
